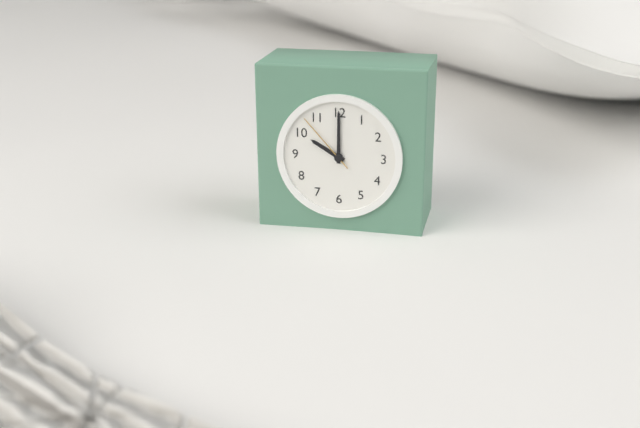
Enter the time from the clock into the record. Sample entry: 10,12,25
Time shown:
10,00,53
